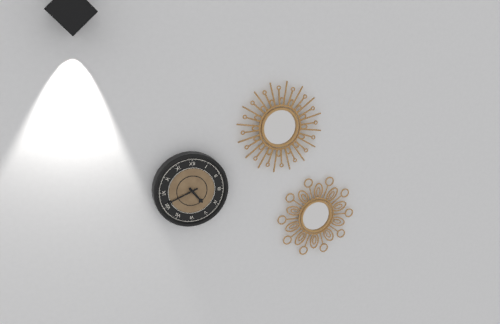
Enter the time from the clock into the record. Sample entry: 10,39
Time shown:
4,41
